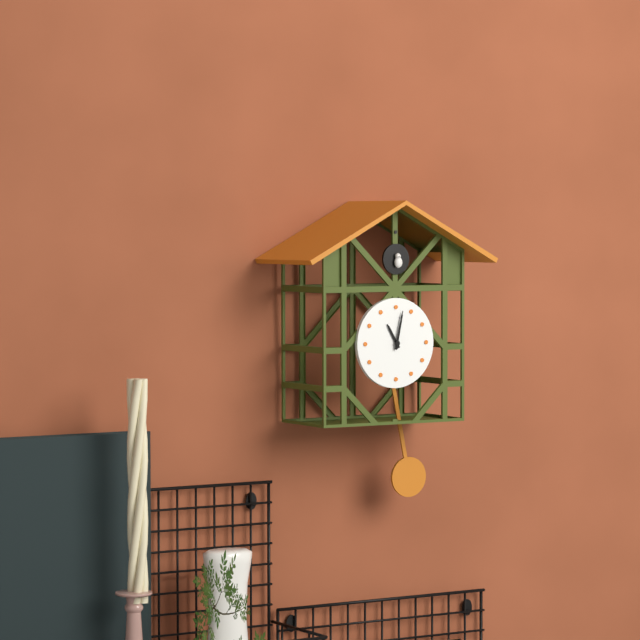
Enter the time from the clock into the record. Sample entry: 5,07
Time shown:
11,02
